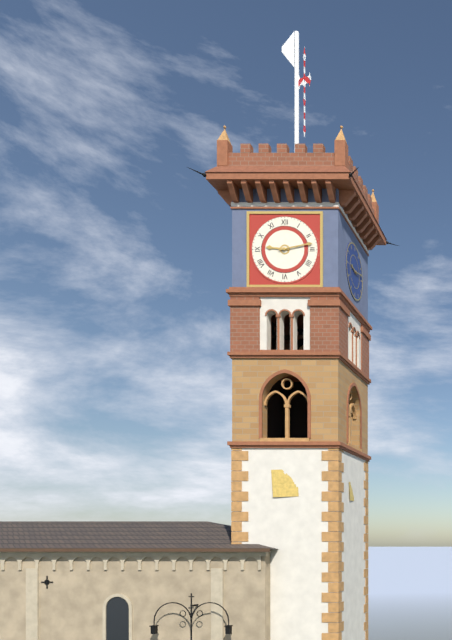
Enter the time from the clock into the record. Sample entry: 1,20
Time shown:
9,13
